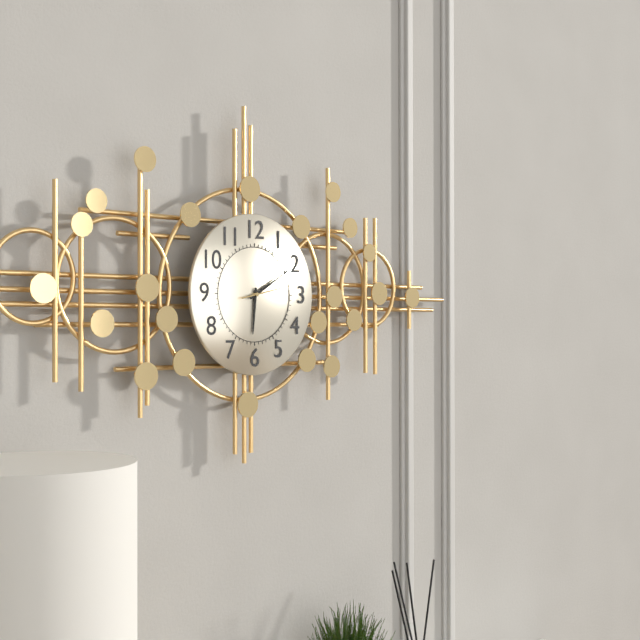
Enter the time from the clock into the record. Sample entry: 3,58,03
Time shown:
6,10,13
